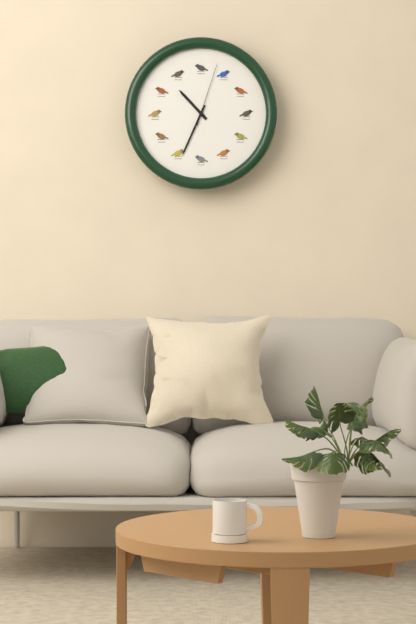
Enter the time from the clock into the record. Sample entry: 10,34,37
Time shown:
10,34,03
